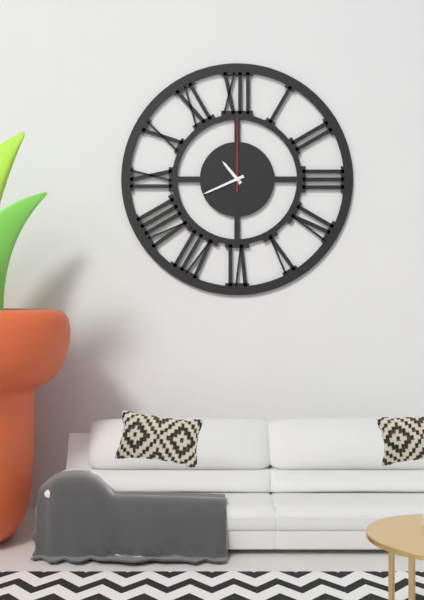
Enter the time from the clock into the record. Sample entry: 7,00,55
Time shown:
10,41,00
